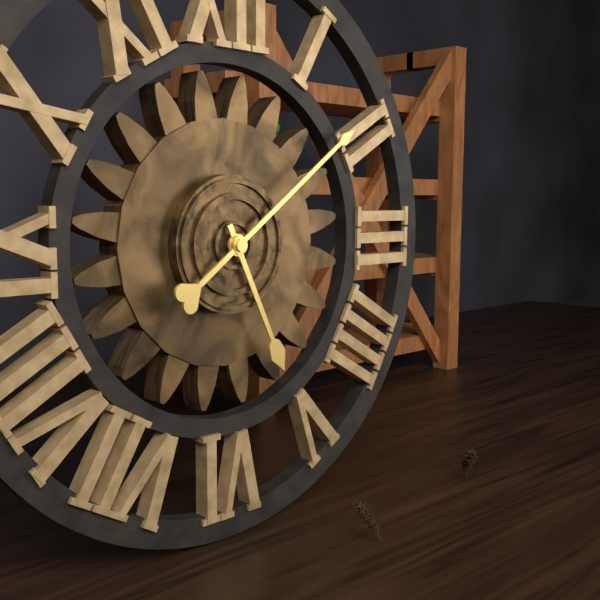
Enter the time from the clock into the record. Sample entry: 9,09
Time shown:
5,09
